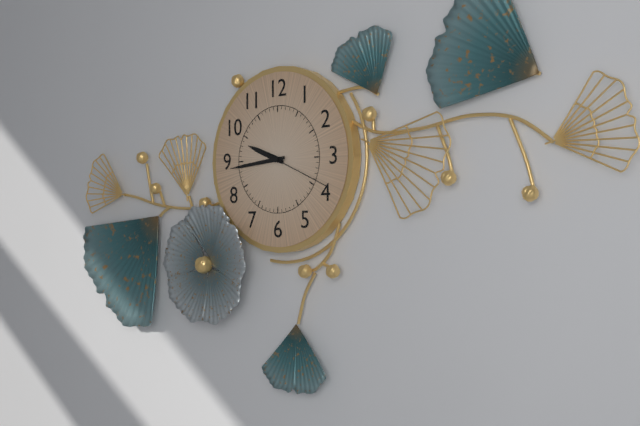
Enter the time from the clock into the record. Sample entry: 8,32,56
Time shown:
9,44,19
